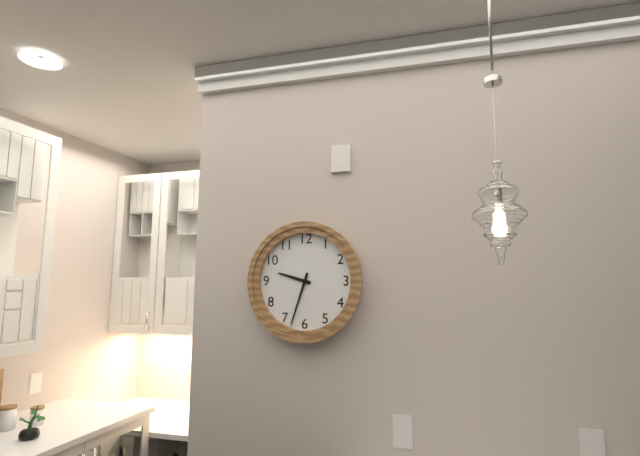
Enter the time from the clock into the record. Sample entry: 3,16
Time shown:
9,33
